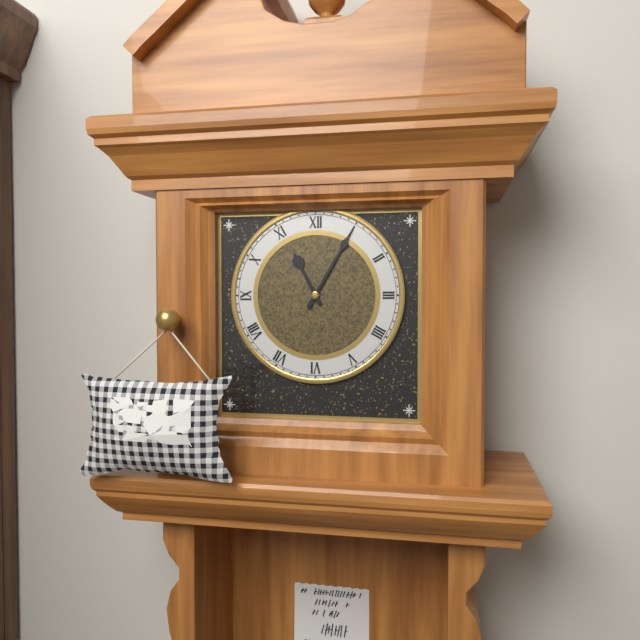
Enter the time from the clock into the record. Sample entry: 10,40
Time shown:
11,05
